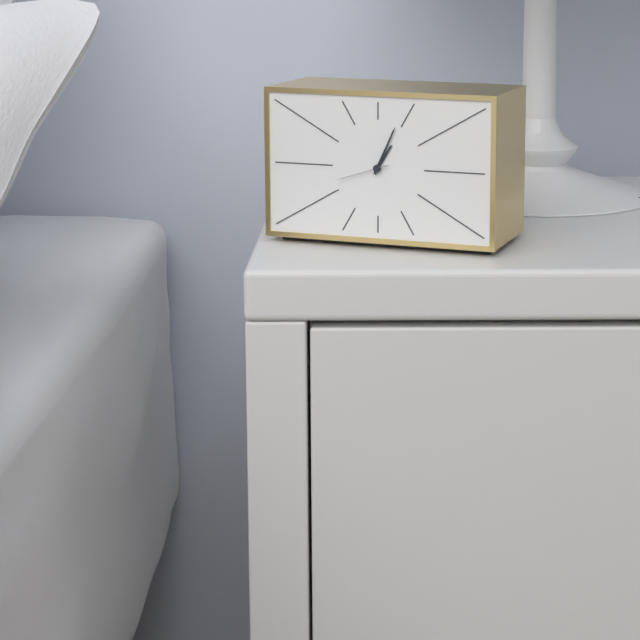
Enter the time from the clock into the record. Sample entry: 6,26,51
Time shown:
1,04,42
